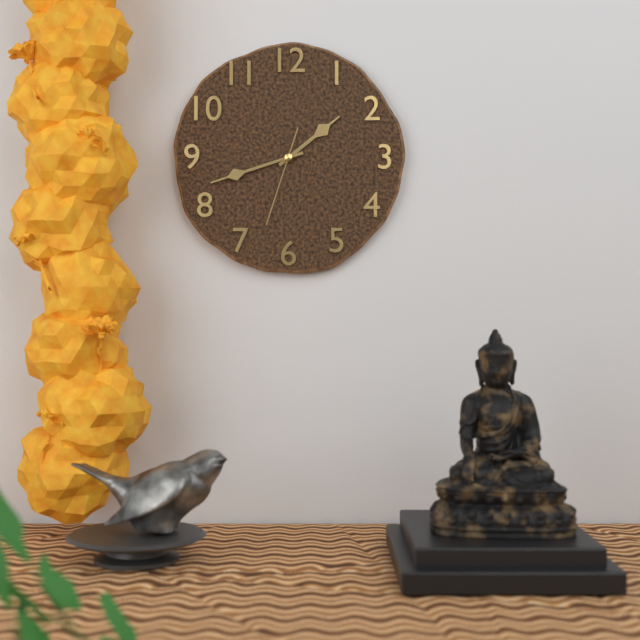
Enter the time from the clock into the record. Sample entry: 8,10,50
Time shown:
1,42,33
